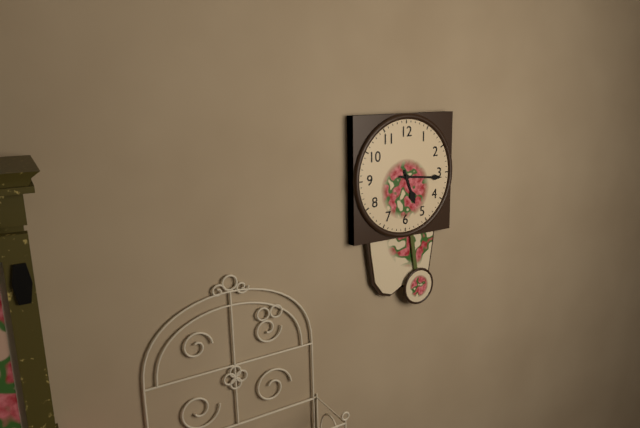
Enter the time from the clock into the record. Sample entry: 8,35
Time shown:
5,16
